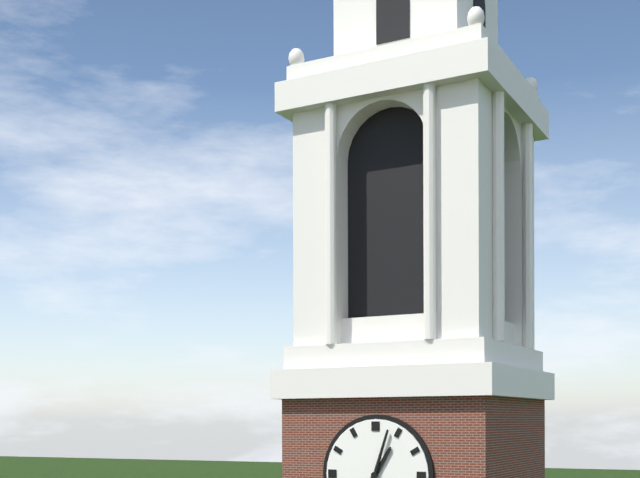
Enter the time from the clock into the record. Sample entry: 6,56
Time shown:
1,03
